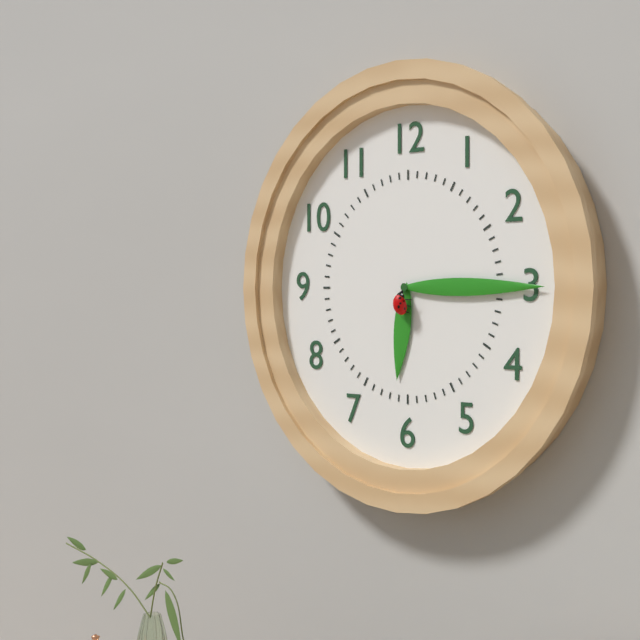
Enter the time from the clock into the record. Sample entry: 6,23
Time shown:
6,15
